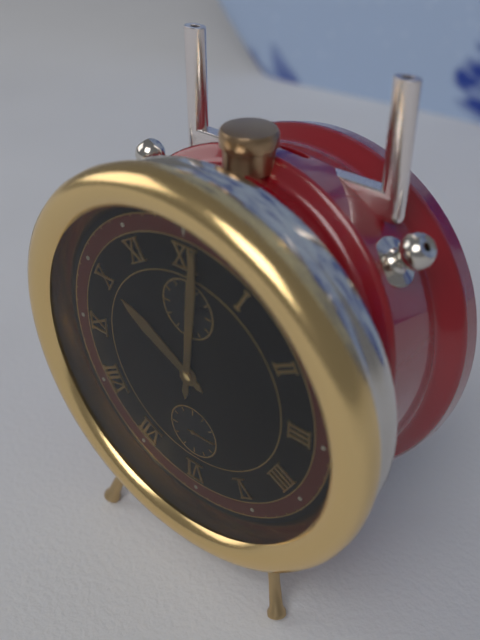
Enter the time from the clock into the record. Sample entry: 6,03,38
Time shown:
10,01,15
